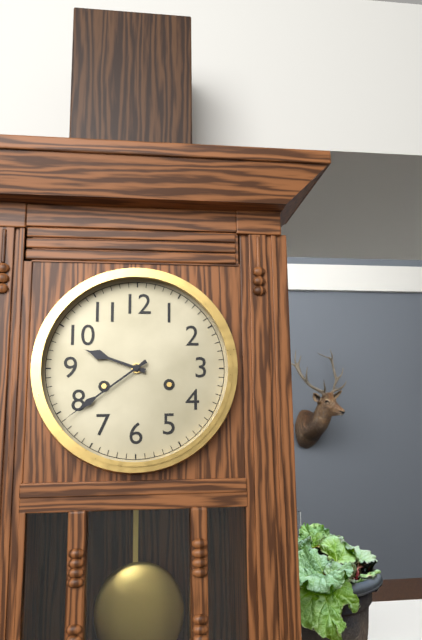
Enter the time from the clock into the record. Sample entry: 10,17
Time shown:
9,39
